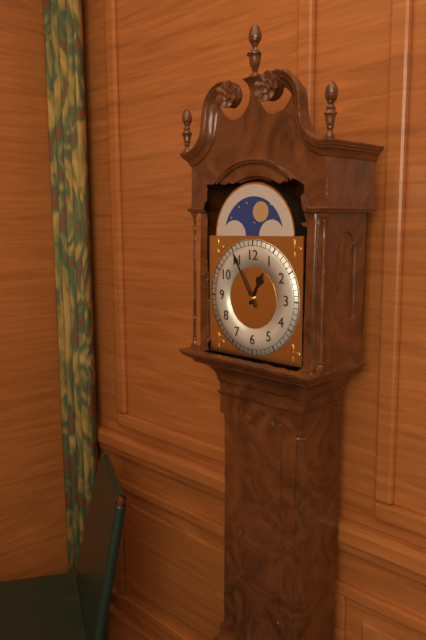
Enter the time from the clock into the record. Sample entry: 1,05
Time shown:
12,55
